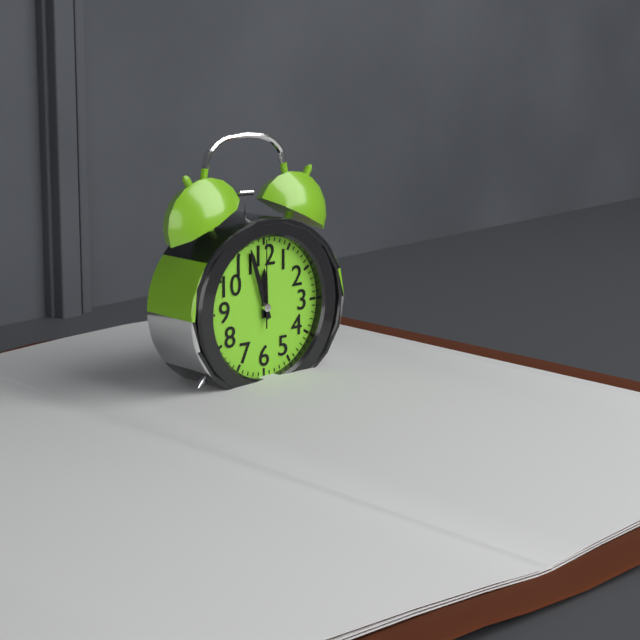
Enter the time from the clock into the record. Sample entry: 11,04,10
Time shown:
11,57,00
